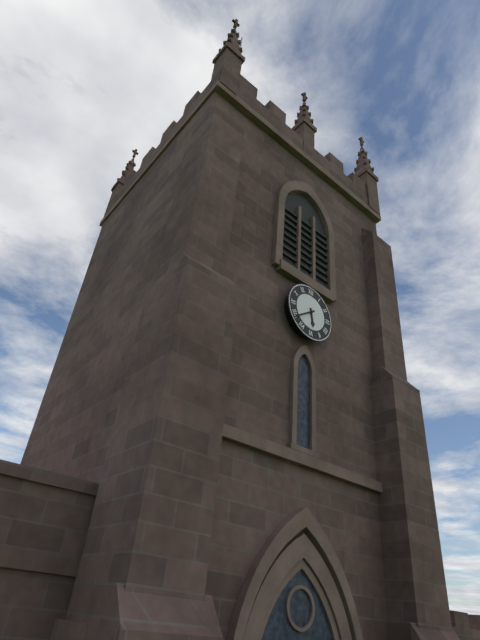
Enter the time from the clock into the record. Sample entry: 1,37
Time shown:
5,39
